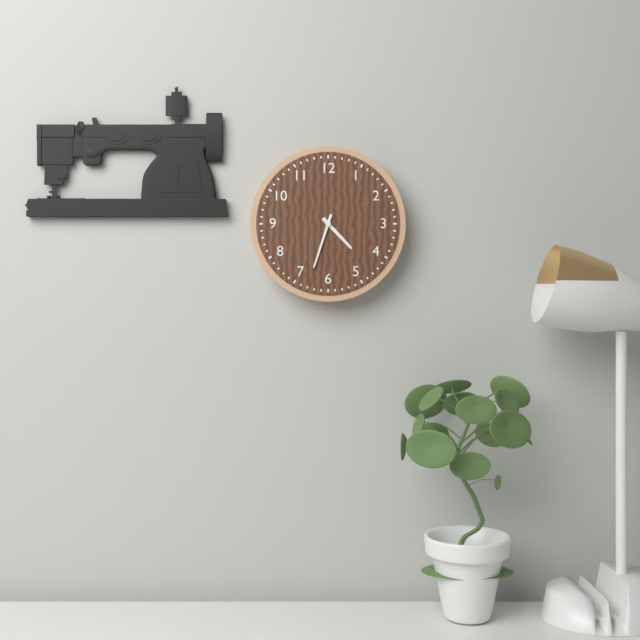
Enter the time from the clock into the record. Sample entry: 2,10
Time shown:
4,33
